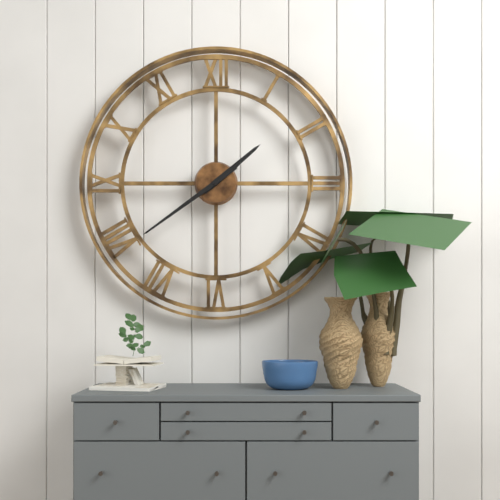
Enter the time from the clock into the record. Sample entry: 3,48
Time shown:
1,39
